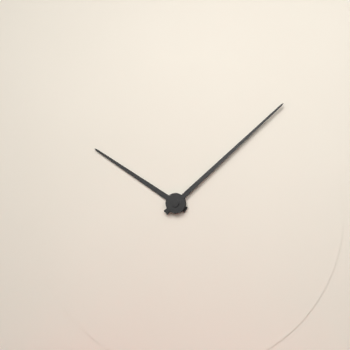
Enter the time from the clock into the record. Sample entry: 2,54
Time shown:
10,08
